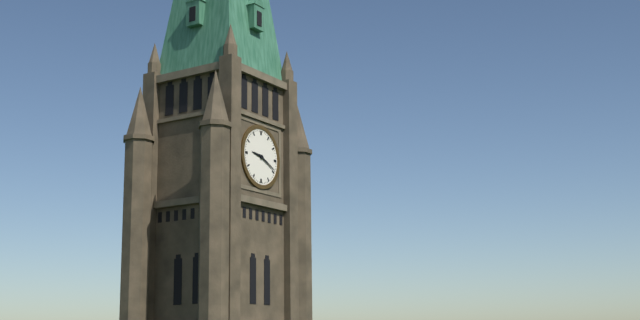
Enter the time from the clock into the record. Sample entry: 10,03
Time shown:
9,19
